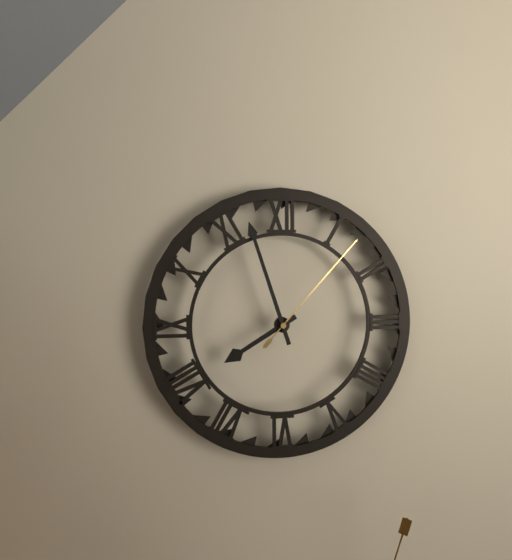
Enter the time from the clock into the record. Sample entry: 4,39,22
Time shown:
7,57,07
